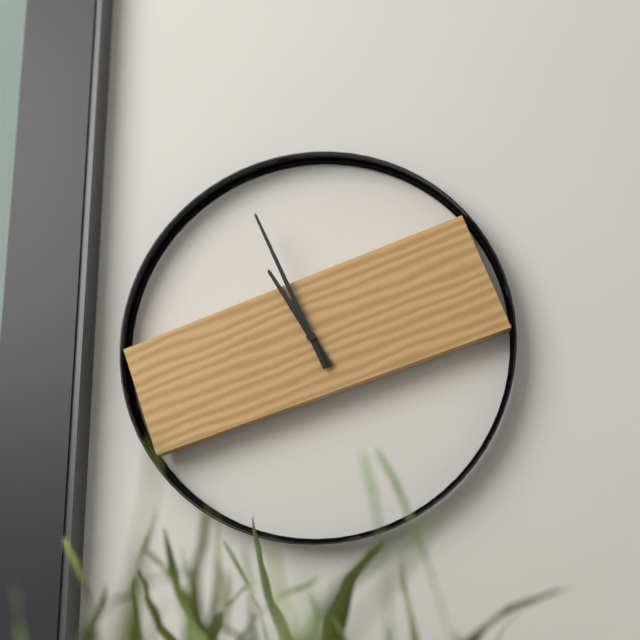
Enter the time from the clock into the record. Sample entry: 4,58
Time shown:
10,56
